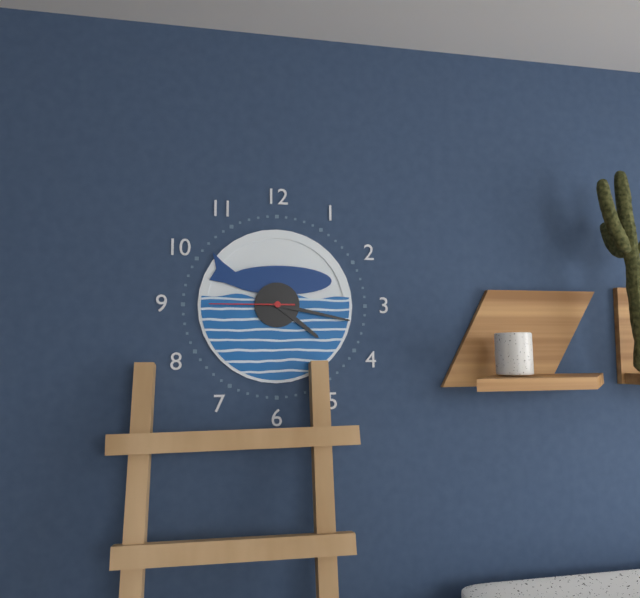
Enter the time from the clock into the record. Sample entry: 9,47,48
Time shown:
4,17,45
